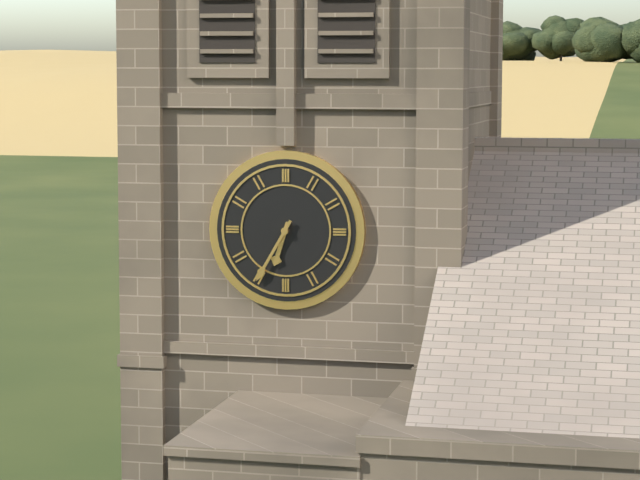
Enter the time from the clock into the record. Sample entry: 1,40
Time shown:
6,35
